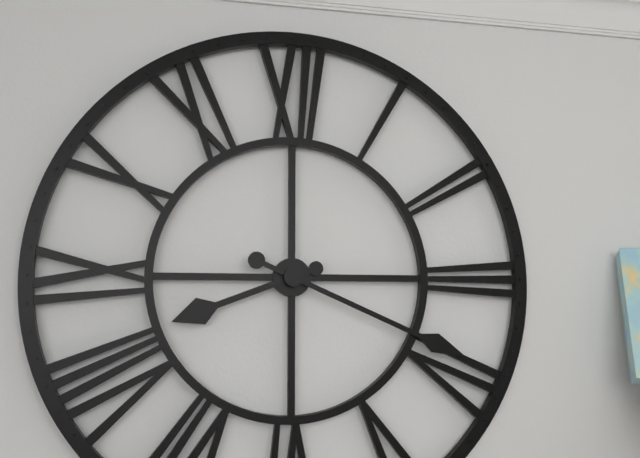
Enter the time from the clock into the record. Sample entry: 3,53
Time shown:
8,19
